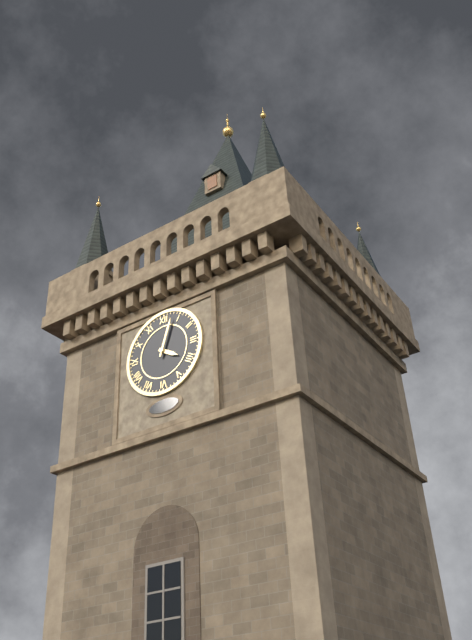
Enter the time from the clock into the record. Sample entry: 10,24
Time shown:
4,03
